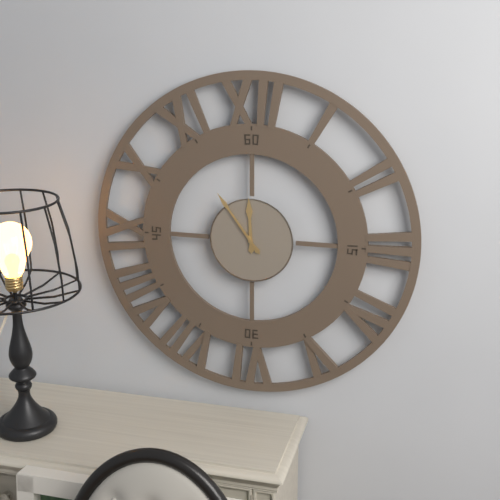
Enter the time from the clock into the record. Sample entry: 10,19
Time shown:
11,54
